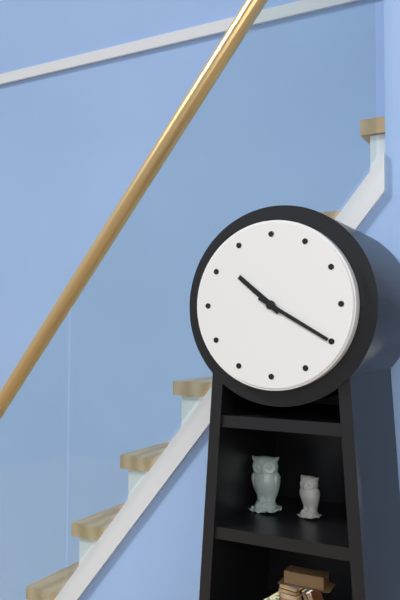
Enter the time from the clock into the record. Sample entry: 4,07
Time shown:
10,20
